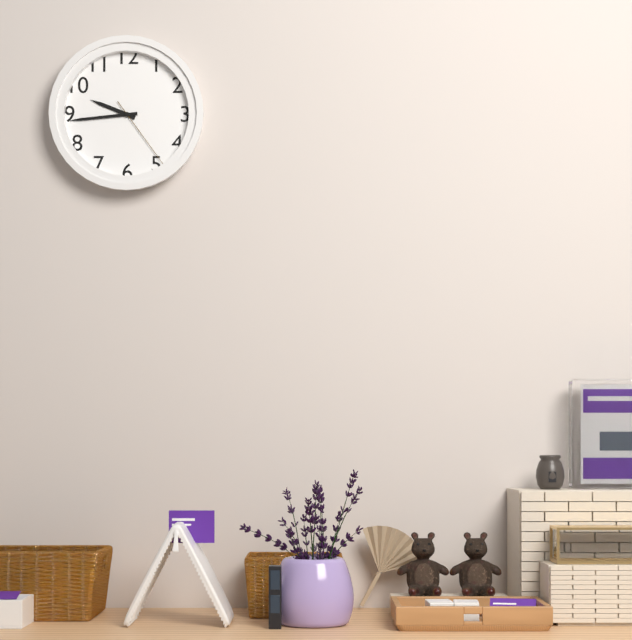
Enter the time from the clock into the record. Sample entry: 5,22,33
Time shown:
9,44,24
